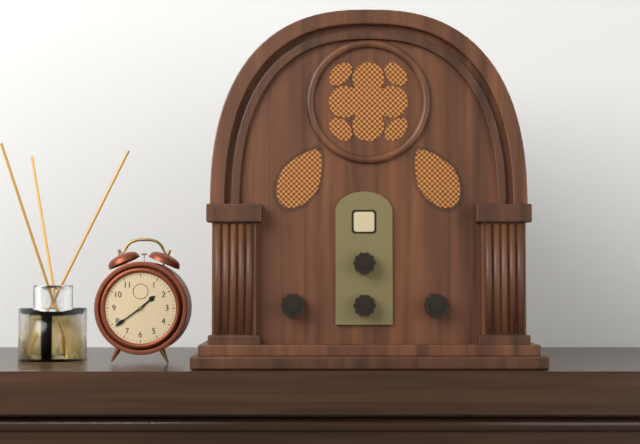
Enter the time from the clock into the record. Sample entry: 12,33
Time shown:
1,39
